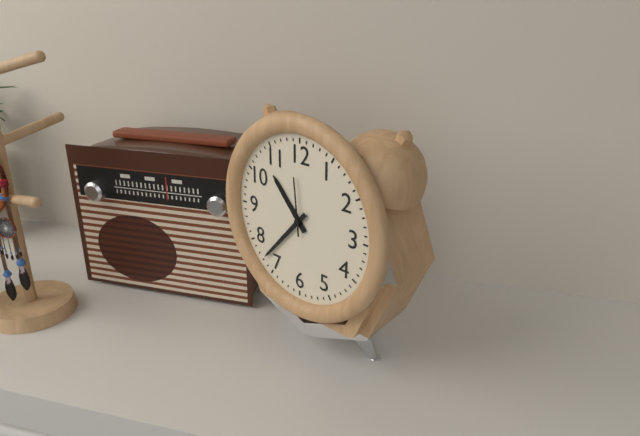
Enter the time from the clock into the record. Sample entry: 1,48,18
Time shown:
10,37,59
